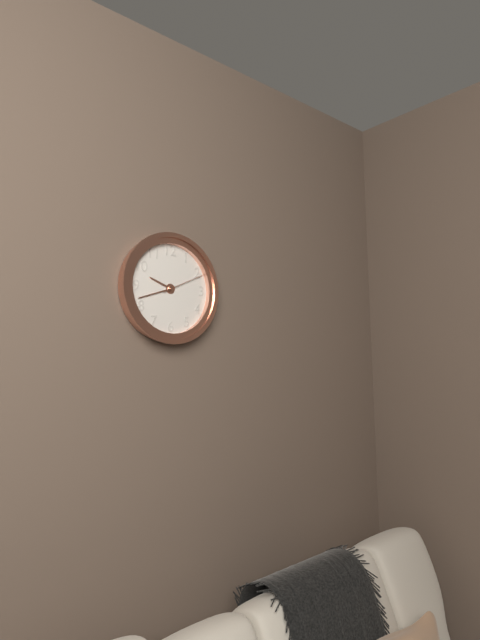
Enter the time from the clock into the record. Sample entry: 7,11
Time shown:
9,42
